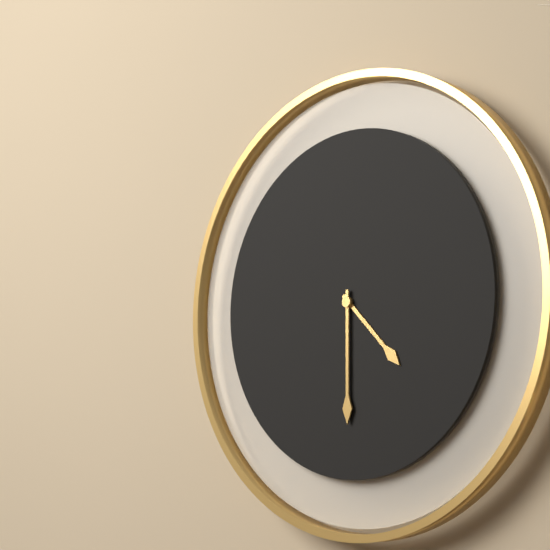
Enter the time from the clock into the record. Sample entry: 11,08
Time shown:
4,30
